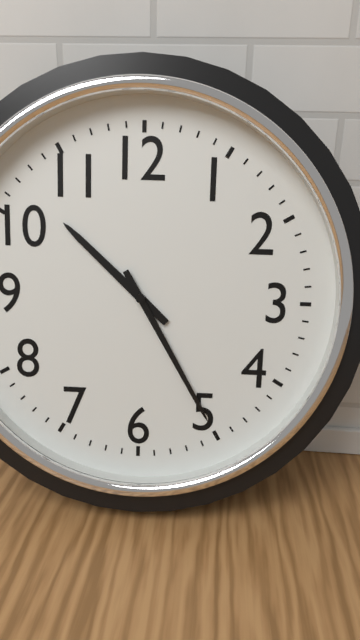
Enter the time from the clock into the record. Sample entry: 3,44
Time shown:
10,25
